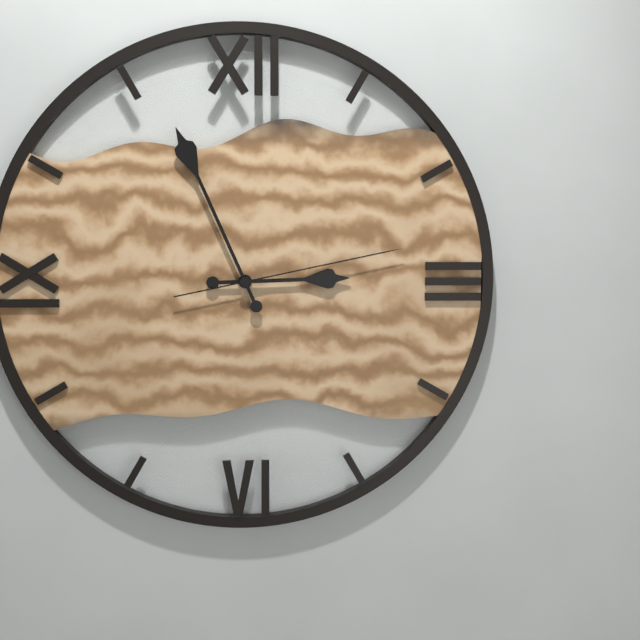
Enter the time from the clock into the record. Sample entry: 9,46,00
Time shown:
2,56,13
